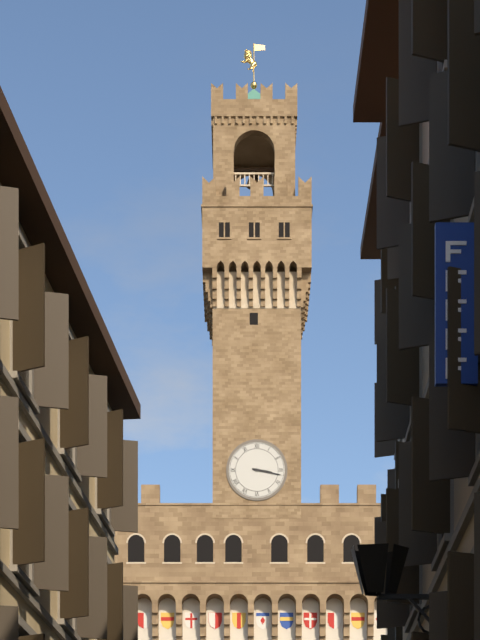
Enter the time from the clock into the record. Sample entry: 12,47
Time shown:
3,17
